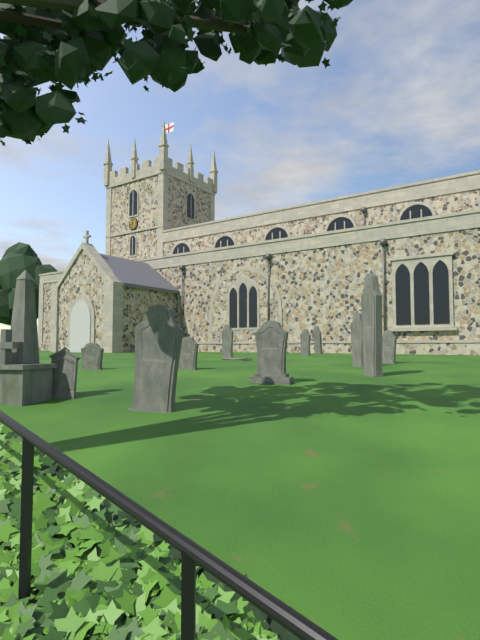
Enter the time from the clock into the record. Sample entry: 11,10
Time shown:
12,39
